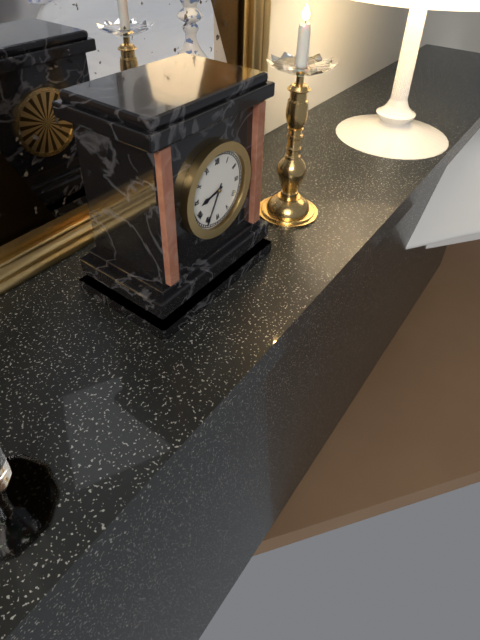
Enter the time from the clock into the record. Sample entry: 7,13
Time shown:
8,35
